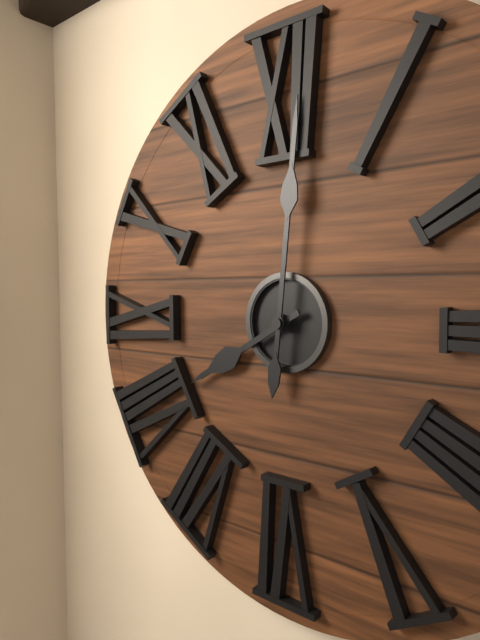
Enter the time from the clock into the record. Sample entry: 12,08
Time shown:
8,01
